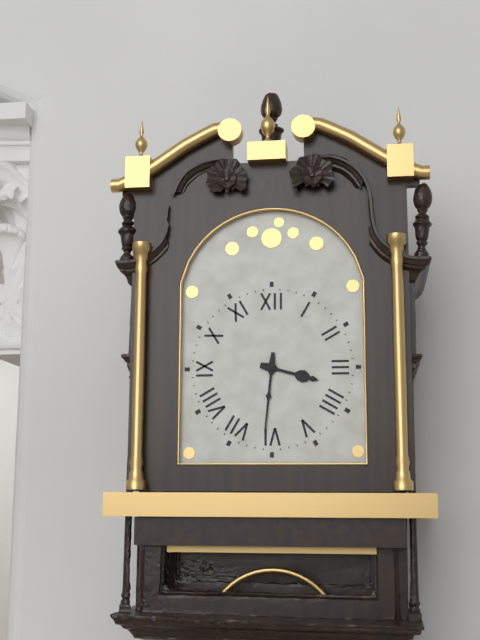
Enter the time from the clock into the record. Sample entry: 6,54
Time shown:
3,31
